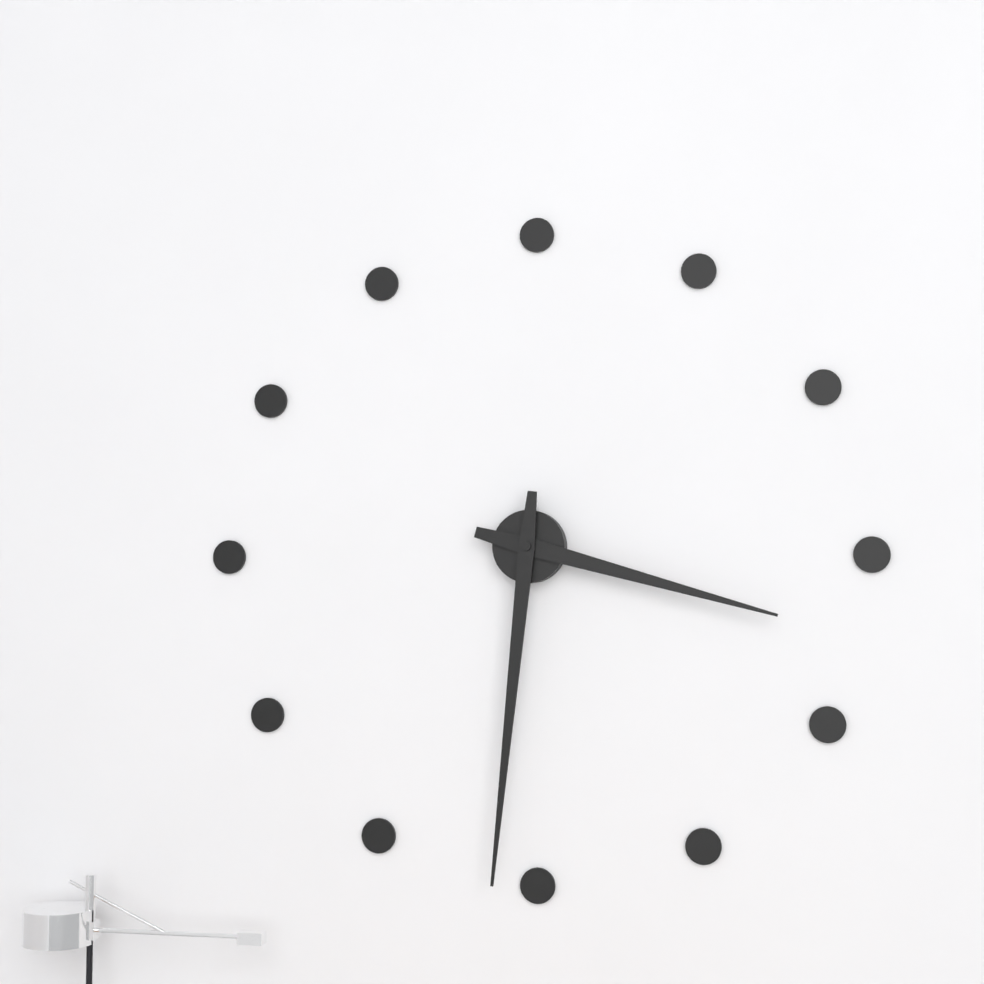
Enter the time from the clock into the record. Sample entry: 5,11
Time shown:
3,31
